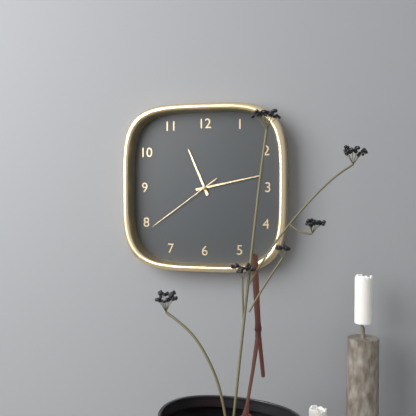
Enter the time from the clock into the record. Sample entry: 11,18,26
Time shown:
11,13,39
